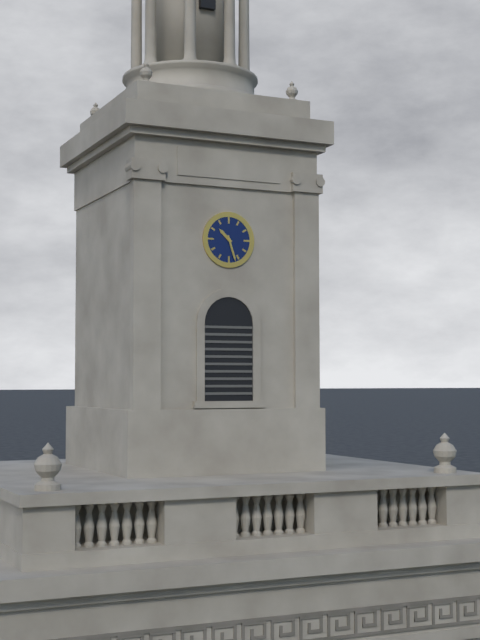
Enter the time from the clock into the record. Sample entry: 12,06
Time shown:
10,27
